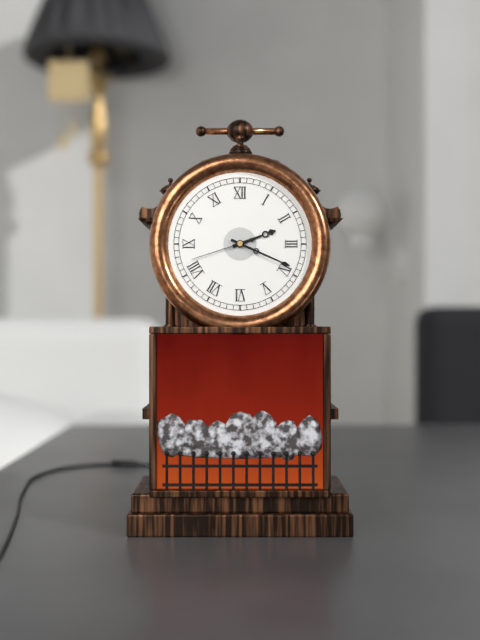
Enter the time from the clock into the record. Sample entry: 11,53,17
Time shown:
2,19,42
